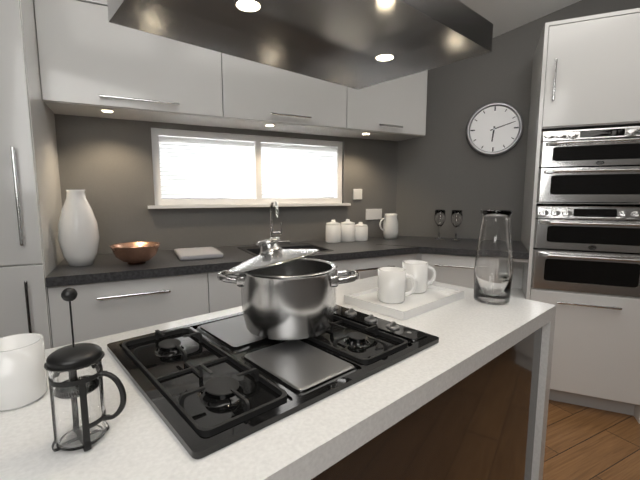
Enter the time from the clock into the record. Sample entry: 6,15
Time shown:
6,12
